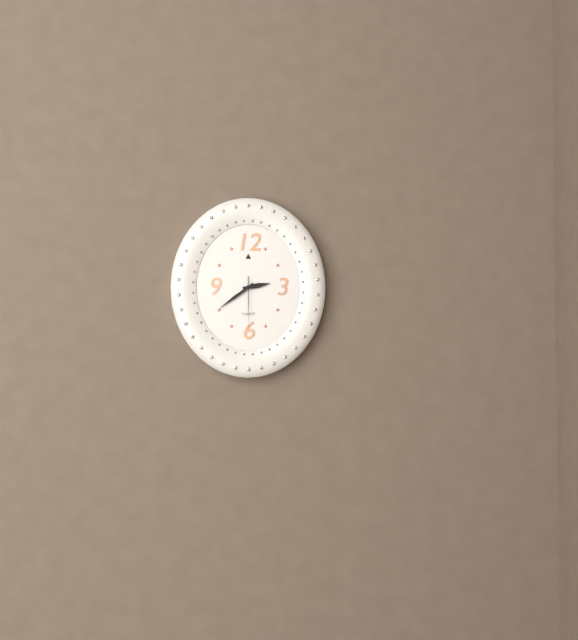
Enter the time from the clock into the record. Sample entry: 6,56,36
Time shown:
2,39,30
